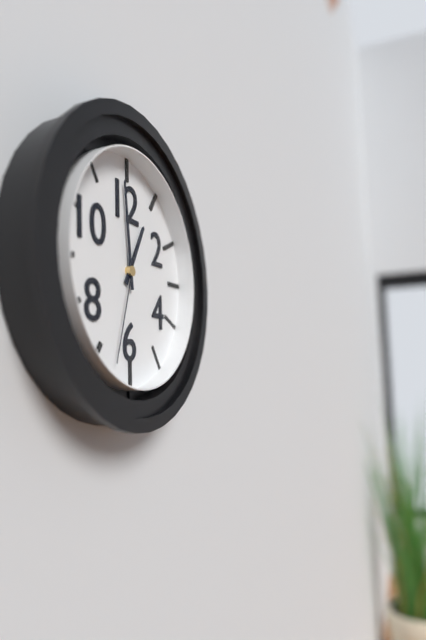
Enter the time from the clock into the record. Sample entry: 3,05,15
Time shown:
12,59,33
